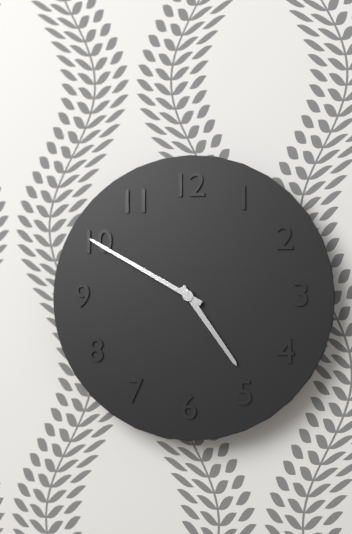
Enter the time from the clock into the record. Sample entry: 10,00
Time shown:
4,50
